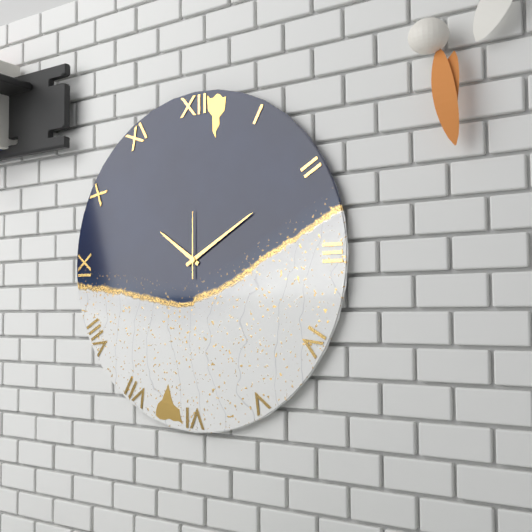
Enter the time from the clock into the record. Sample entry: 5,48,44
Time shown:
10,10,00
